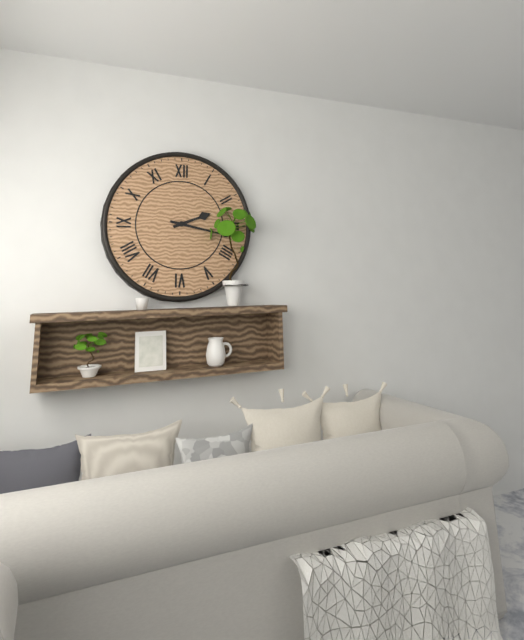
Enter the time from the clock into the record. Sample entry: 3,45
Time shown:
2,17
